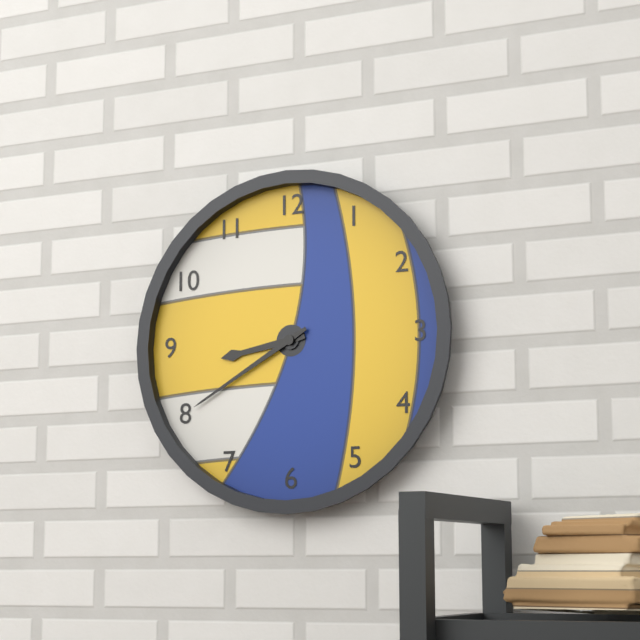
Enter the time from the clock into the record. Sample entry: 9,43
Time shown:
8,40
